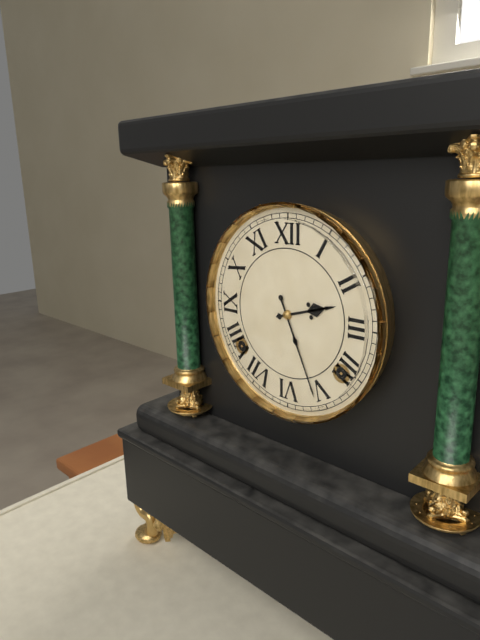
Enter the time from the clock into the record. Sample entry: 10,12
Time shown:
2,26
